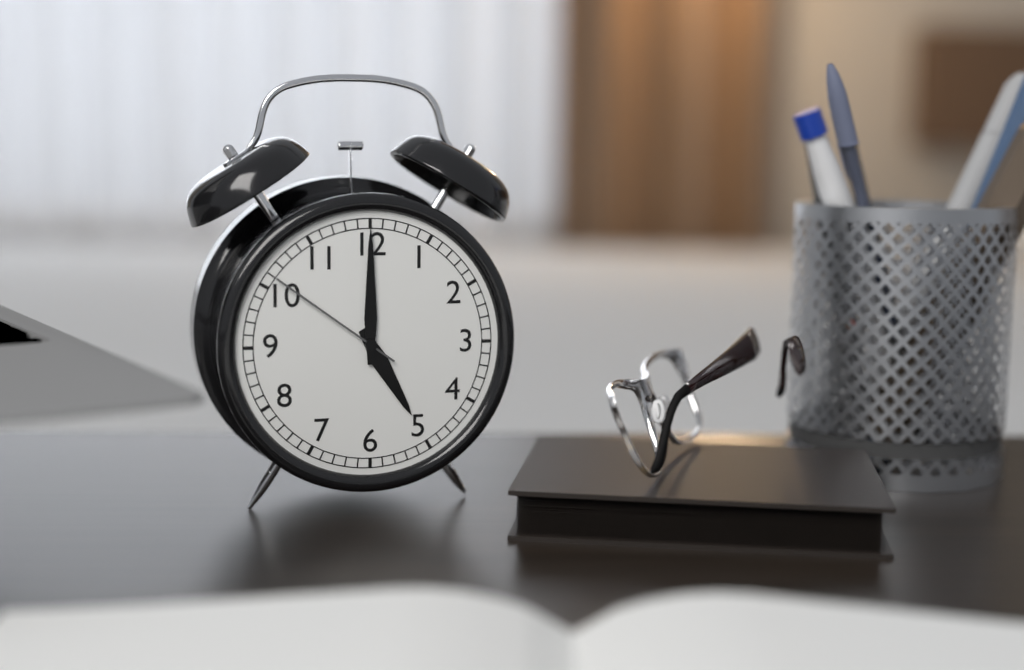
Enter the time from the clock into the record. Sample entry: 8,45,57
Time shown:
5,00,51
